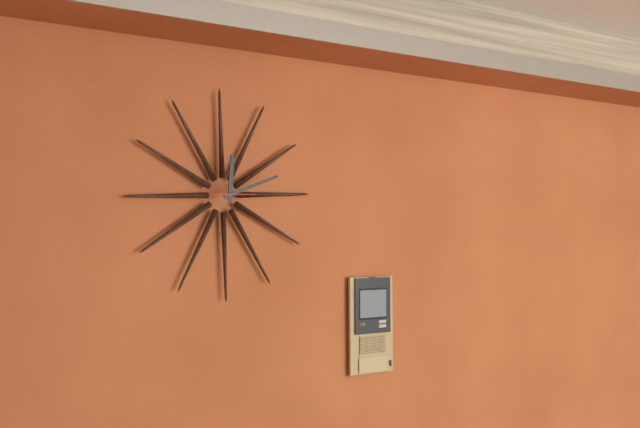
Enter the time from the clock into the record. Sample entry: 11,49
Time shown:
12,12
